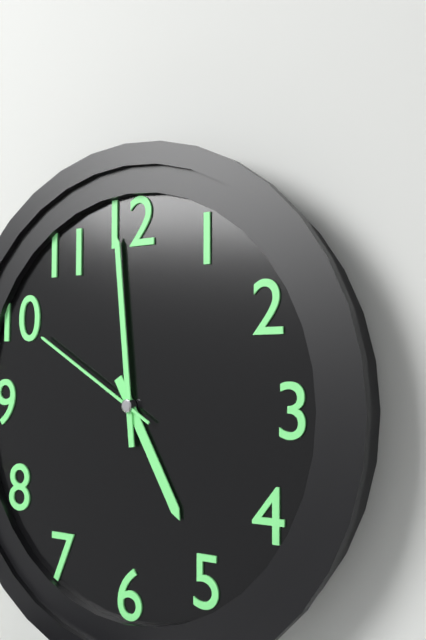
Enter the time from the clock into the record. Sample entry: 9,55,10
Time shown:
4,59,50
